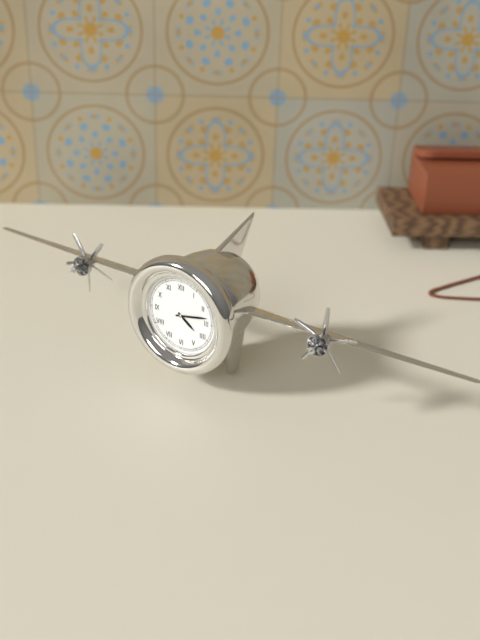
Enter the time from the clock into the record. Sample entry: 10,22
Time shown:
4,13
